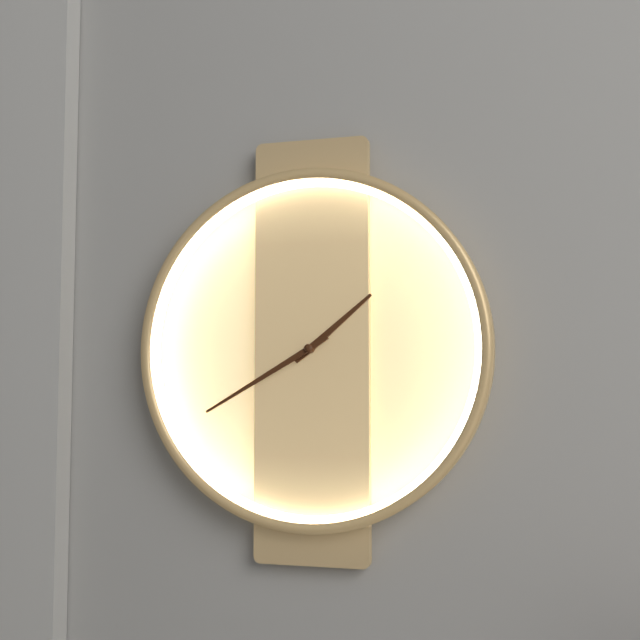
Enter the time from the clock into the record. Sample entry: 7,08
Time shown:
1,40
